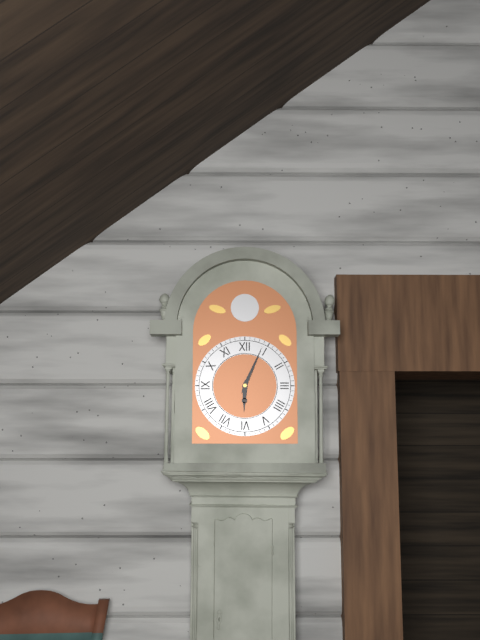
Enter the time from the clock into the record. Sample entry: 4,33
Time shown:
6,04
